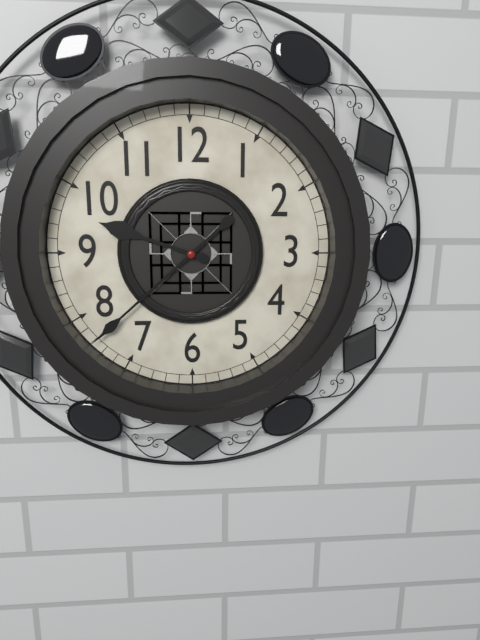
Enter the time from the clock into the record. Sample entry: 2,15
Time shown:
9,38
